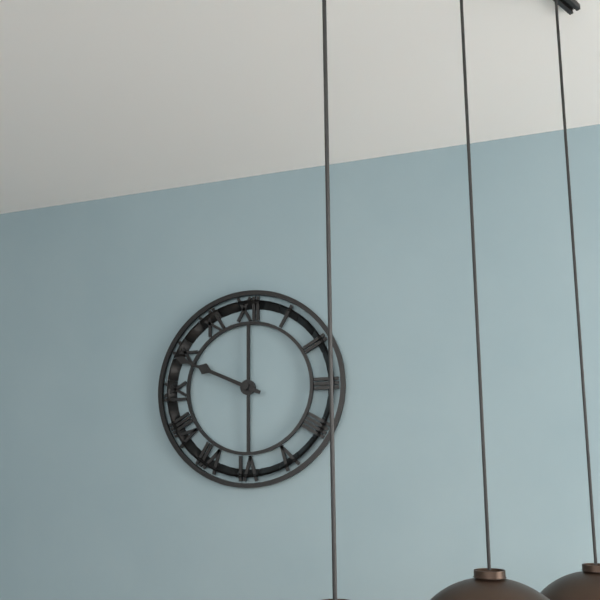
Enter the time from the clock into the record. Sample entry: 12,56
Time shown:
9,49
